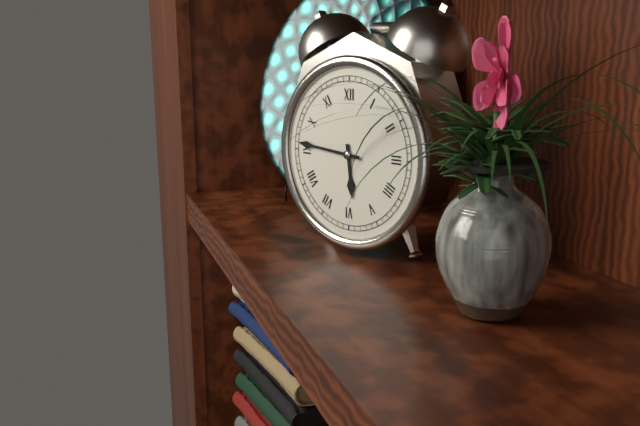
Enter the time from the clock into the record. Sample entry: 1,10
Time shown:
5,46
